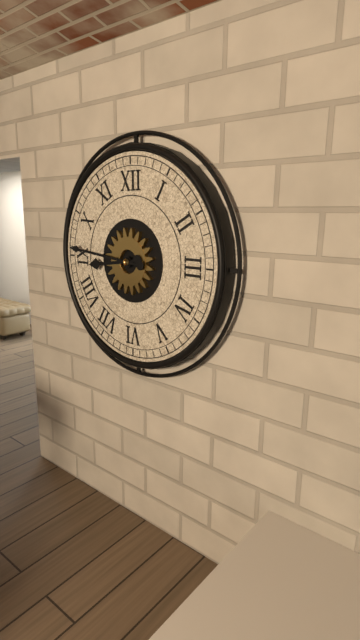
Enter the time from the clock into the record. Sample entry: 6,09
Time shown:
8,46
